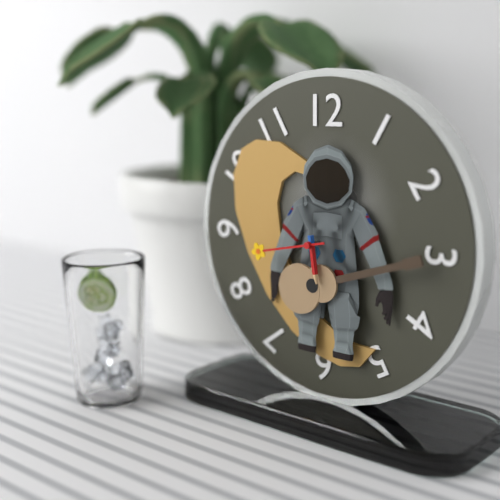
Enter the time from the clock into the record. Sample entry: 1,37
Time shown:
5,43
